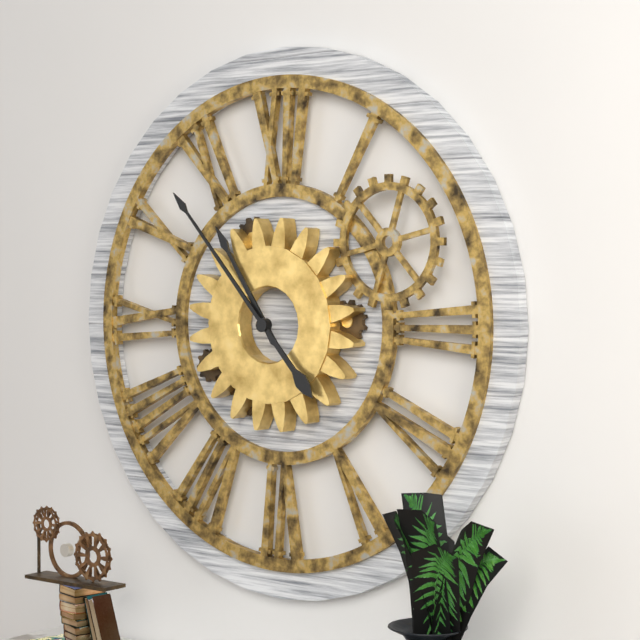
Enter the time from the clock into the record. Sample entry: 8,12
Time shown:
10,53
